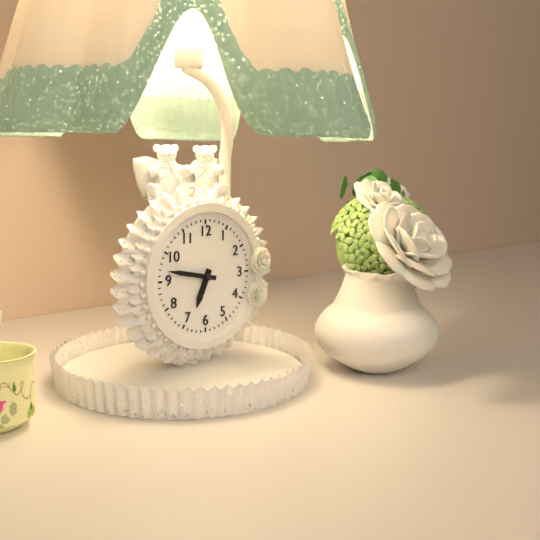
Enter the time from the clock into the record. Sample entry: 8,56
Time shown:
6,47
